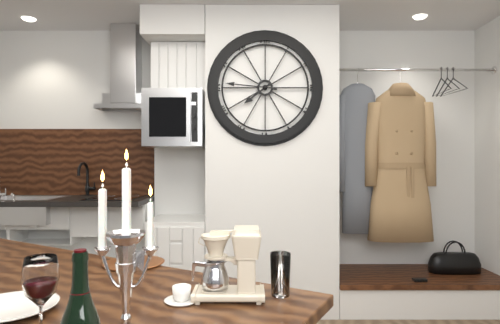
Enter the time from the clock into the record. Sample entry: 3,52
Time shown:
7,46
